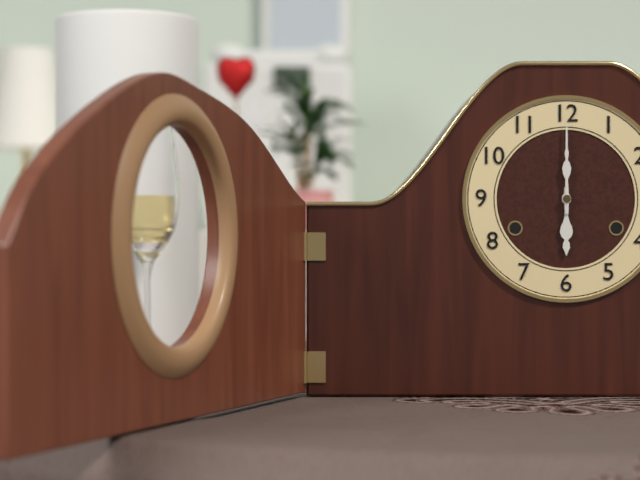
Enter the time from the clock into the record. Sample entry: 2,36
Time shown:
6,00
